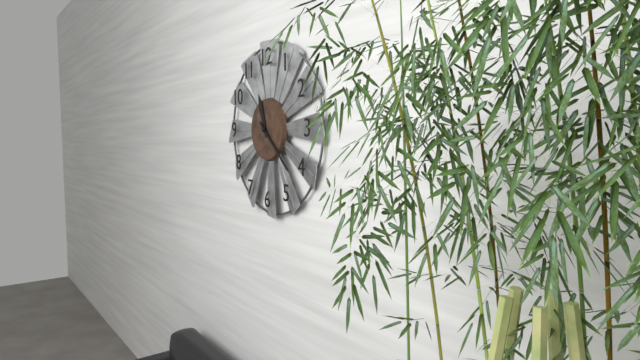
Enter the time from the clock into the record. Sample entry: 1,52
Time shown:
11,22
